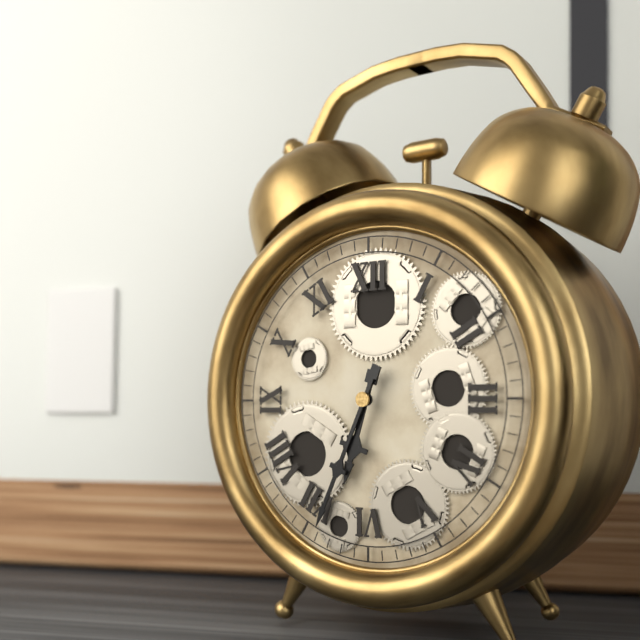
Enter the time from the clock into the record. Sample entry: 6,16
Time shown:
6,34
